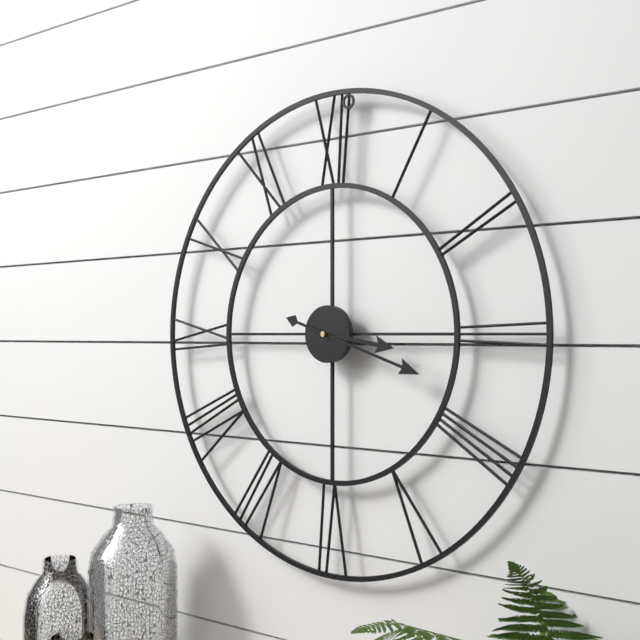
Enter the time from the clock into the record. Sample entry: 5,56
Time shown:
3,18
